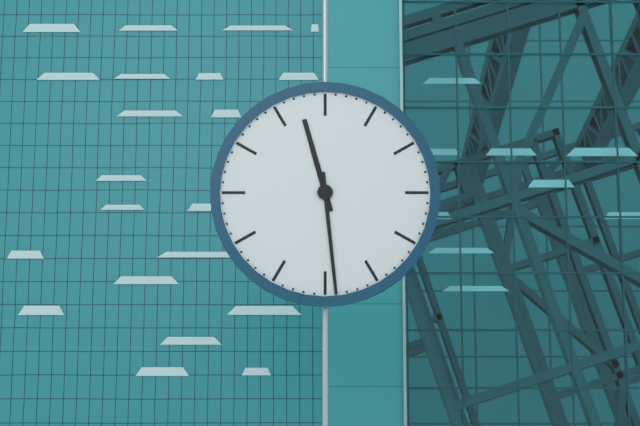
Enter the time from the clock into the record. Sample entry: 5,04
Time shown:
11,29
